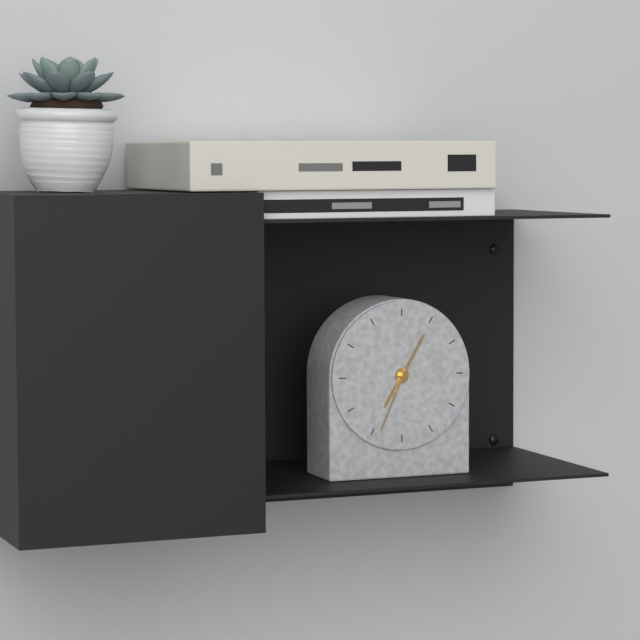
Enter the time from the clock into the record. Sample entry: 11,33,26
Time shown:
7,05,34
